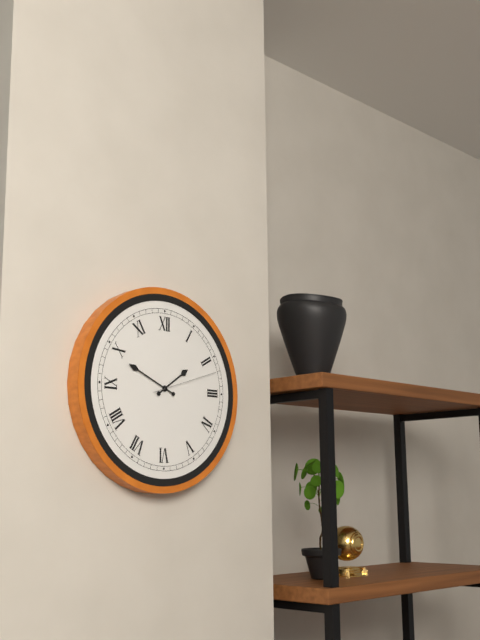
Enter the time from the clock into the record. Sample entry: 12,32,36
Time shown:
1,49,12
